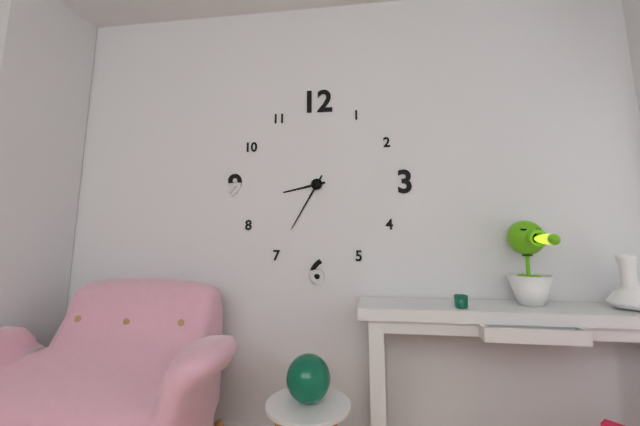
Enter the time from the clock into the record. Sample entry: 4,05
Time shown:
8,35
